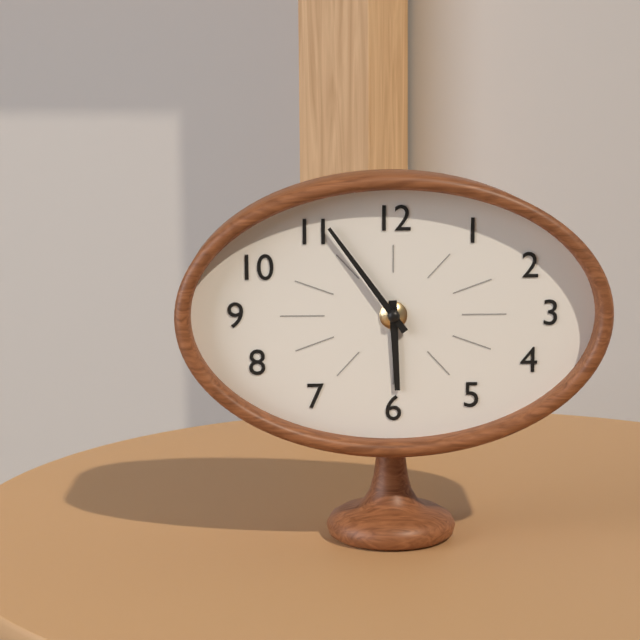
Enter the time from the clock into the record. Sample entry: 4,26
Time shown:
5,54
